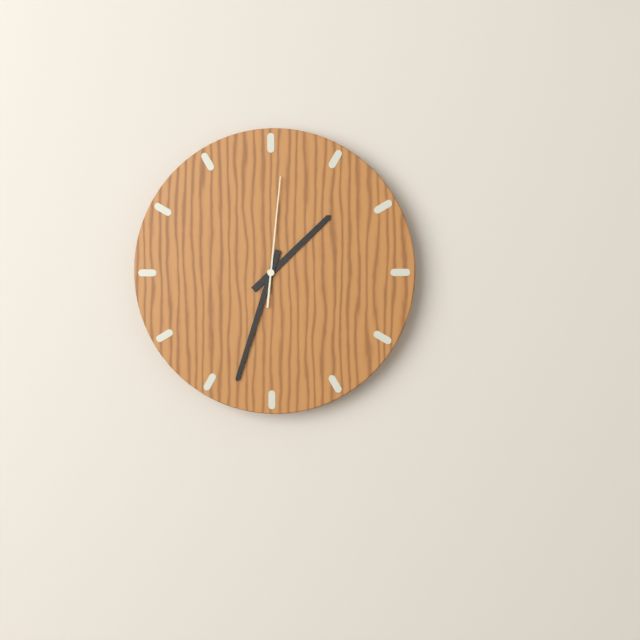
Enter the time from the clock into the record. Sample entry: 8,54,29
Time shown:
1,33,01
